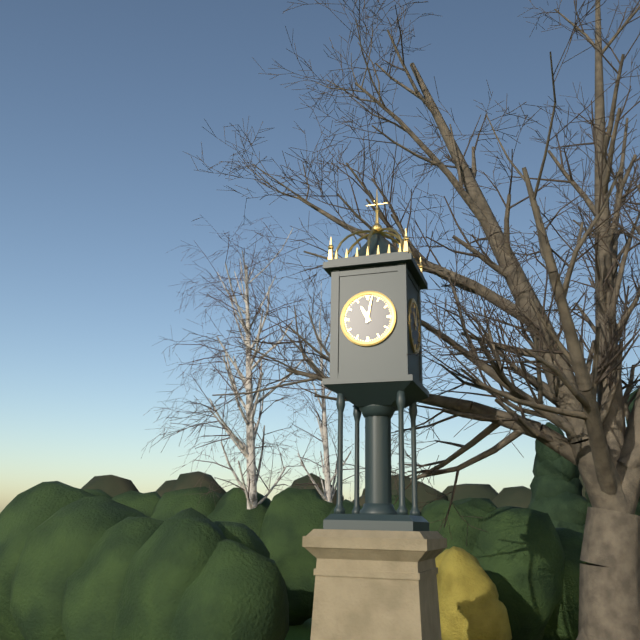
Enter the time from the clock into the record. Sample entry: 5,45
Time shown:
11,02
